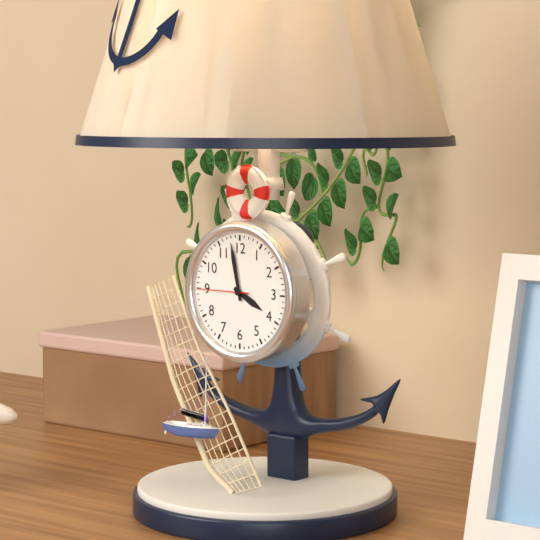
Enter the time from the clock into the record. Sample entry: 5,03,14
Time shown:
3,58,45
